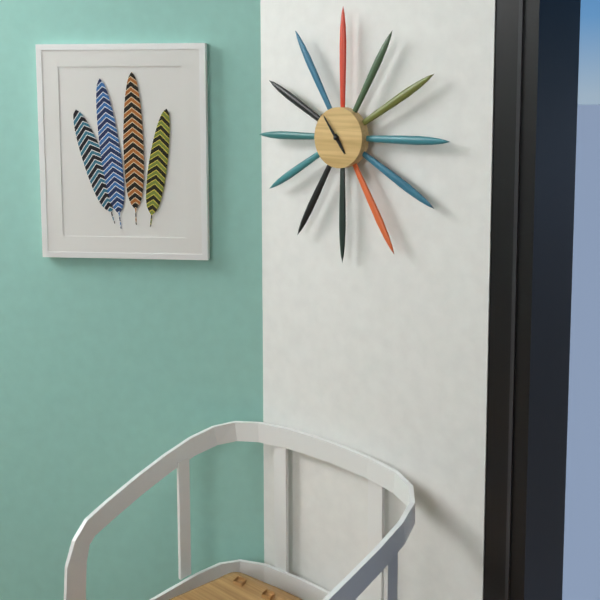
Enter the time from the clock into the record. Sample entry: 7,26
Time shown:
4,54
